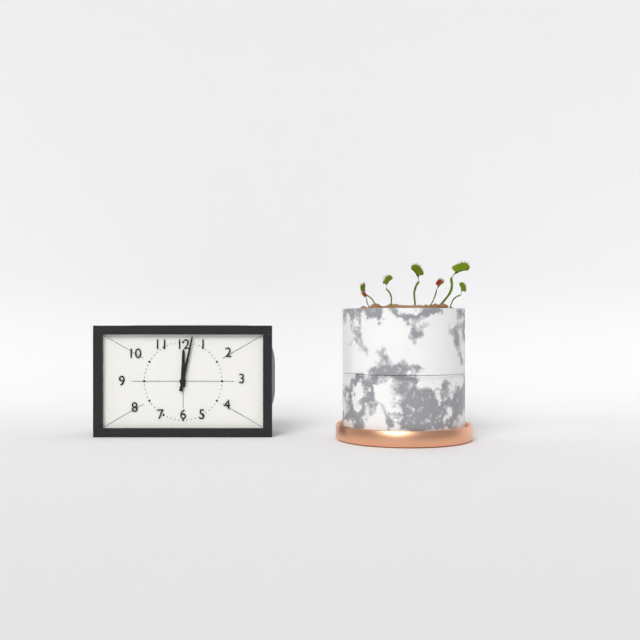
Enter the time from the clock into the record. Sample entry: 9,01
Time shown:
12,02
